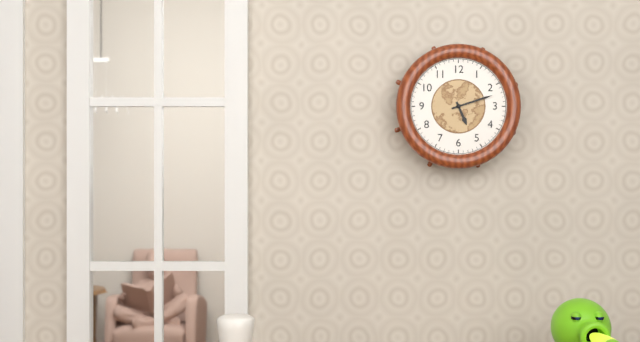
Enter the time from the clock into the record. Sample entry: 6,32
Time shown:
5,12
